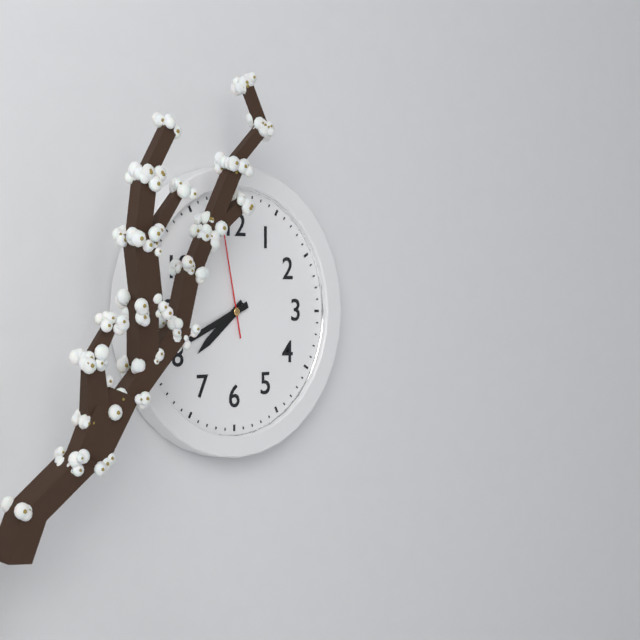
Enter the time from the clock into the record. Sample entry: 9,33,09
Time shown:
7,41,58
